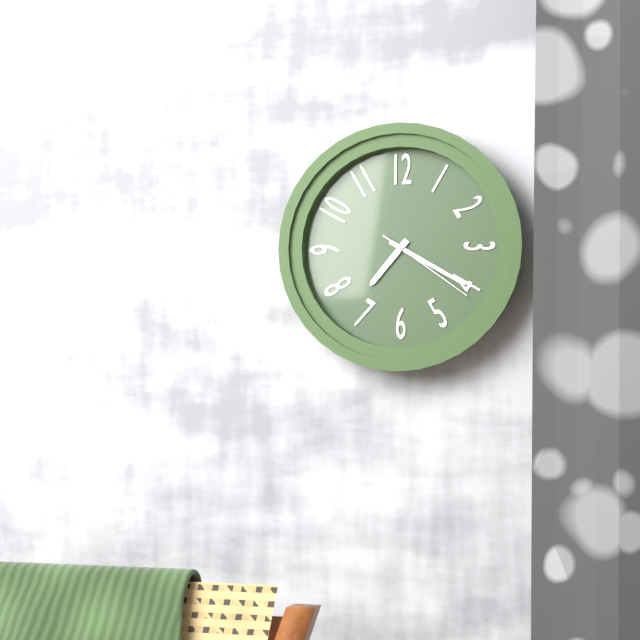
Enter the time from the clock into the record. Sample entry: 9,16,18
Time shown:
7,20,21
